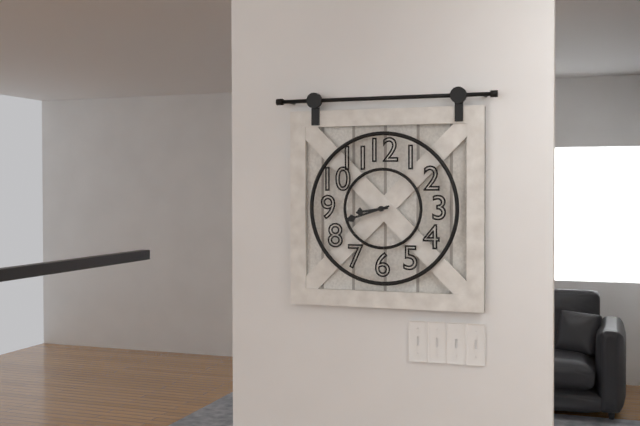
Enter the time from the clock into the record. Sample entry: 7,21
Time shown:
8,42
